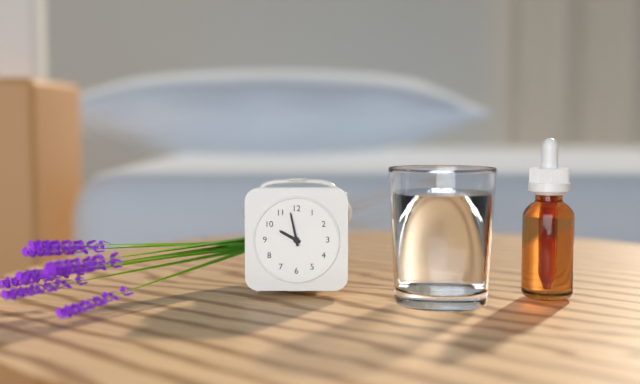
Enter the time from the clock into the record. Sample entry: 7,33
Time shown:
9,58
